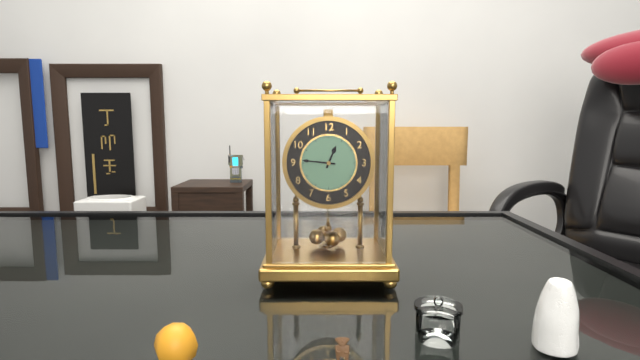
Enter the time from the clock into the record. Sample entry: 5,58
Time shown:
12,46
